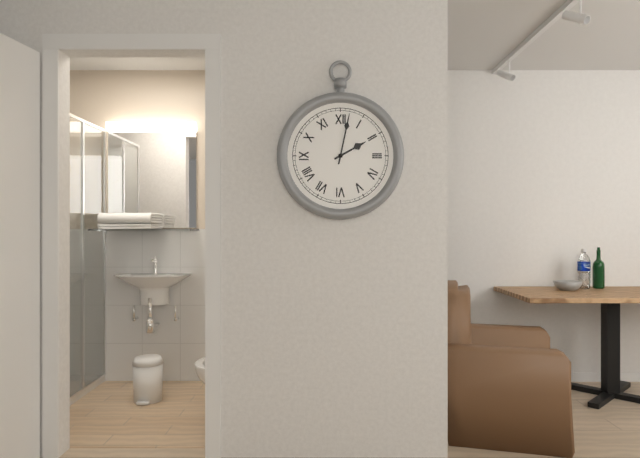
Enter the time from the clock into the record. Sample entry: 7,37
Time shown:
2,02
